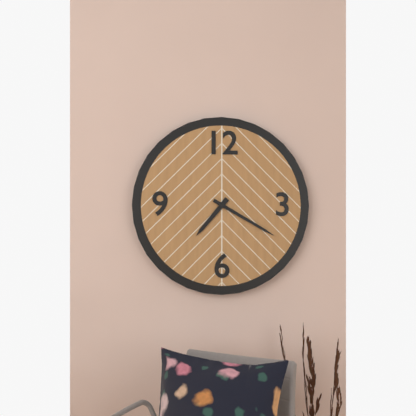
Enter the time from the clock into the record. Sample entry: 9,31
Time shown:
7,20
